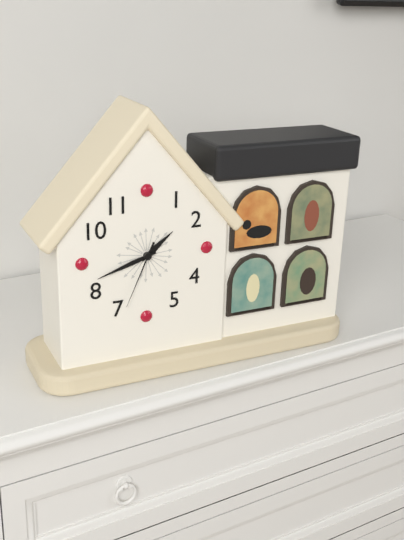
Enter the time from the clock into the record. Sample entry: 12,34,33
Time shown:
1,42,34
